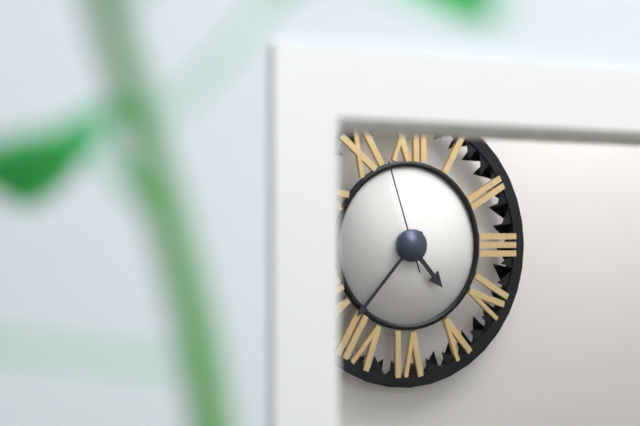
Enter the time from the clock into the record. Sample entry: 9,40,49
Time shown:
4,37,57
